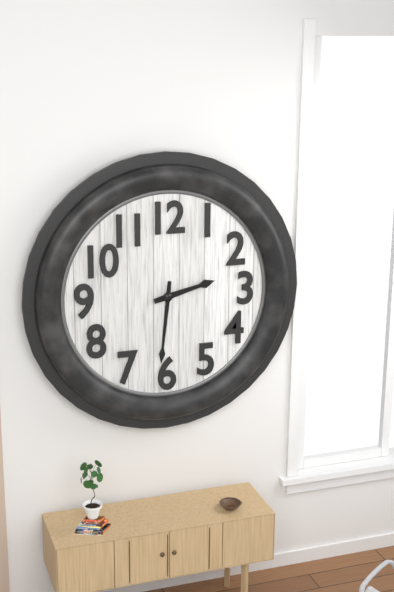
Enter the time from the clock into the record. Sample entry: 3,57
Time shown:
2,31
